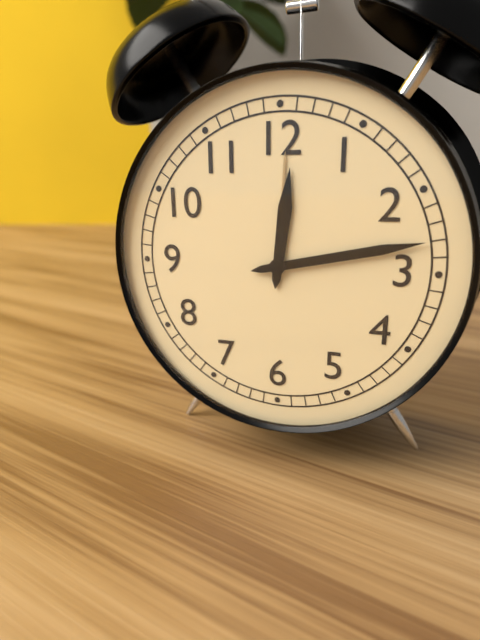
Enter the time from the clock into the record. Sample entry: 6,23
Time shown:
12,13
